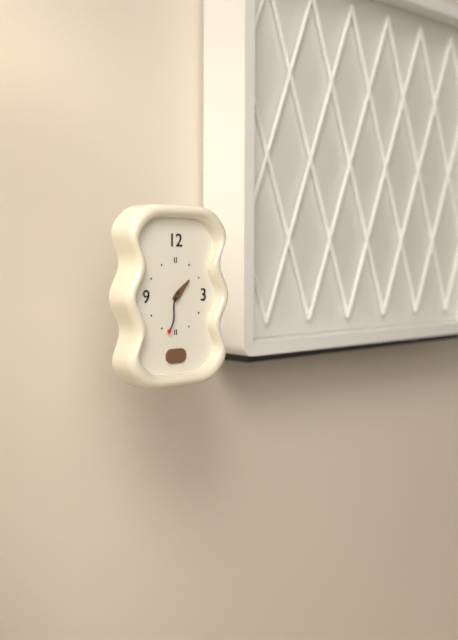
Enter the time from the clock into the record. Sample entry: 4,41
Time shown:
1,33
